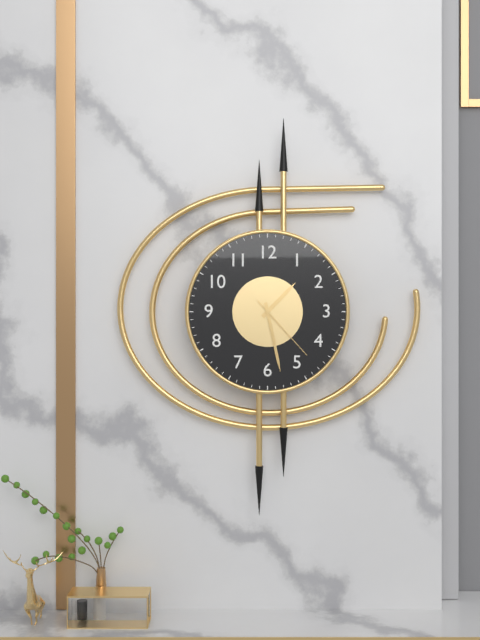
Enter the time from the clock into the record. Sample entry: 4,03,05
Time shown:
1,28,23
